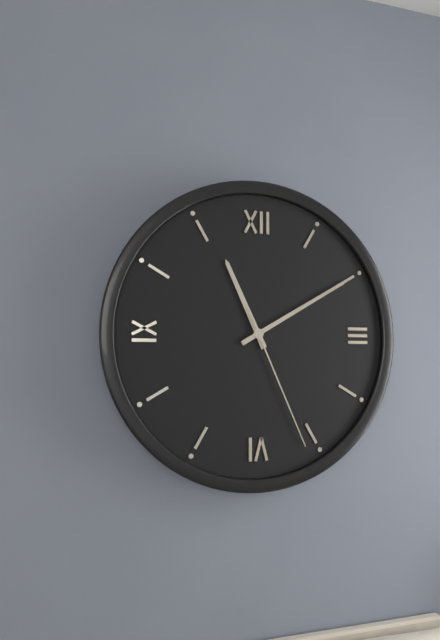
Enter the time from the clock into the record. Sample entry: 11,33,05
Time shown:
11,10,26
